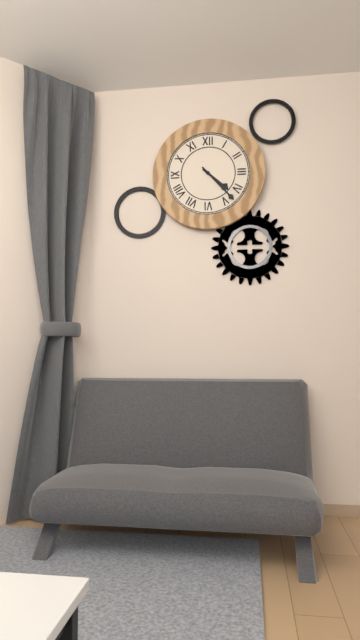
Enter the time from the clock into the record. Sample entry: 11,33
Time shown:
4,23
